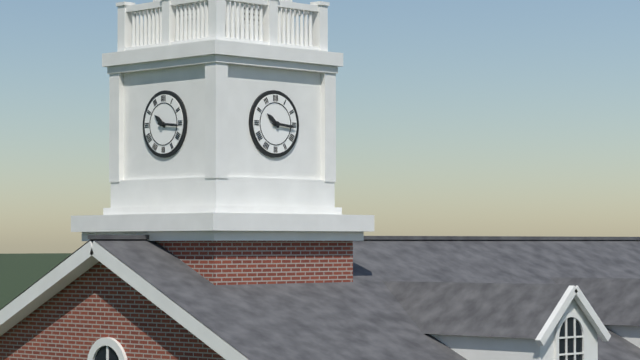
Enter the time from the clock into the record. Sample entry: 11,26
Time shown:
10,16
